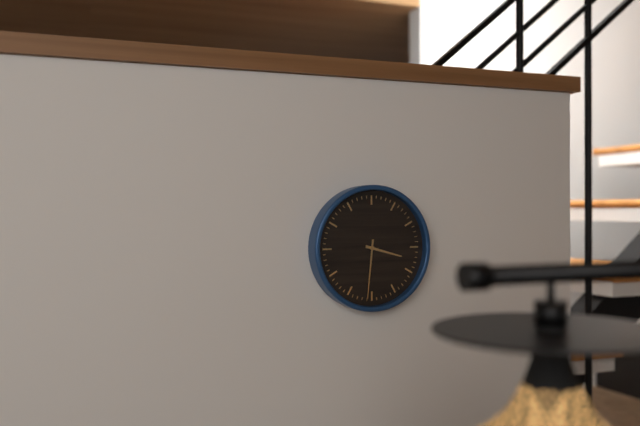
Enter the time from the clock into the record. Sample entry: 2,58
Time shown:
3,31
